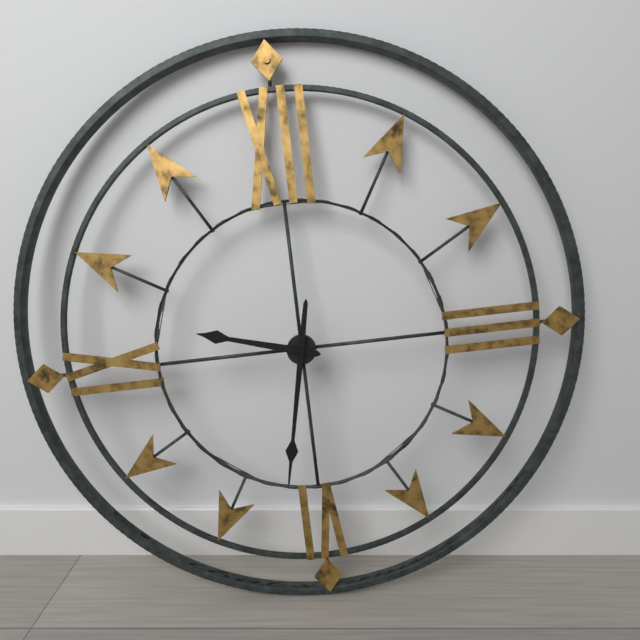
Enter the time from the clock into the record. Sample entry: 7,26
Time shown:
9,32
